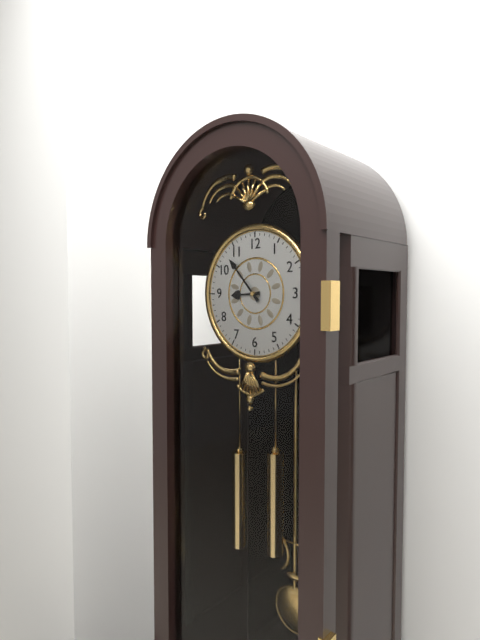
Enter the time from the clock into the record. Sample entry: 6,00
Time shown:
8,53
